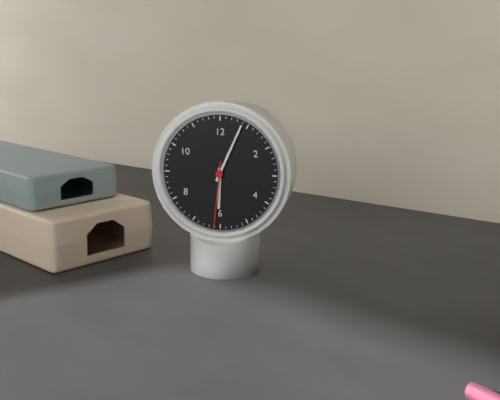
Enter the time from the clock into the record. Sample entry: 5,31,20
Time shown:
6,04,31
